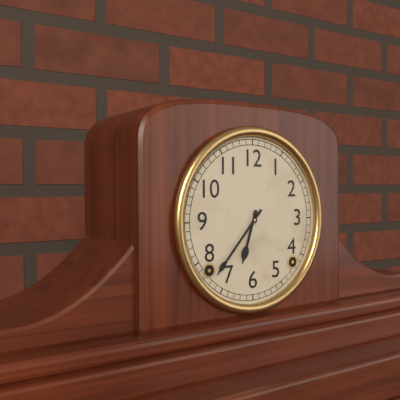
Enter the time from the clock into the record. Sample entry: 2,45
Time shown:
6,37
